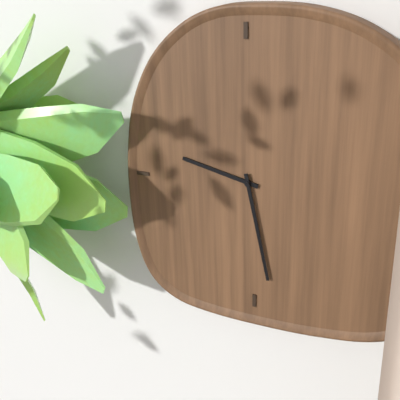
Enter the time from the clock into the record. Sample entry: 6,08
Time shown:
9,28
